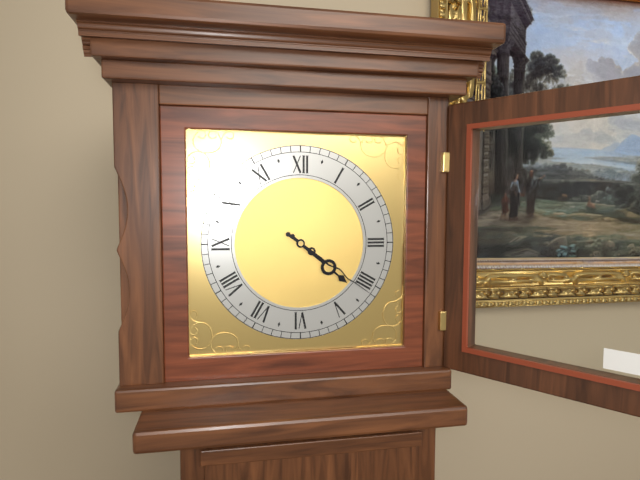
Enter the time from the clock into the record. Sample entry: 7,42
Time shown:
4,21
